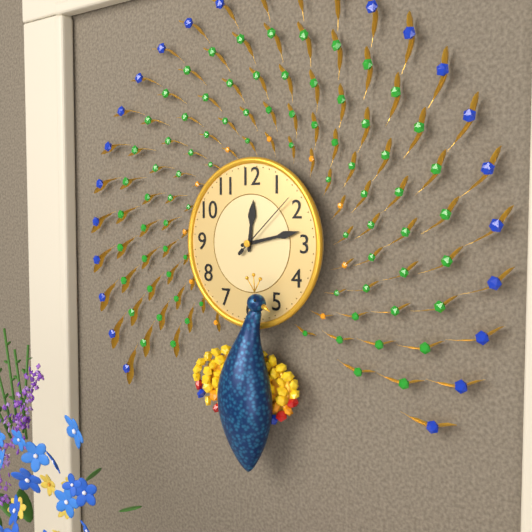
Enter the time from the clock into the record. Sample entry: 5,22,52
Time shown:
12,13,08
